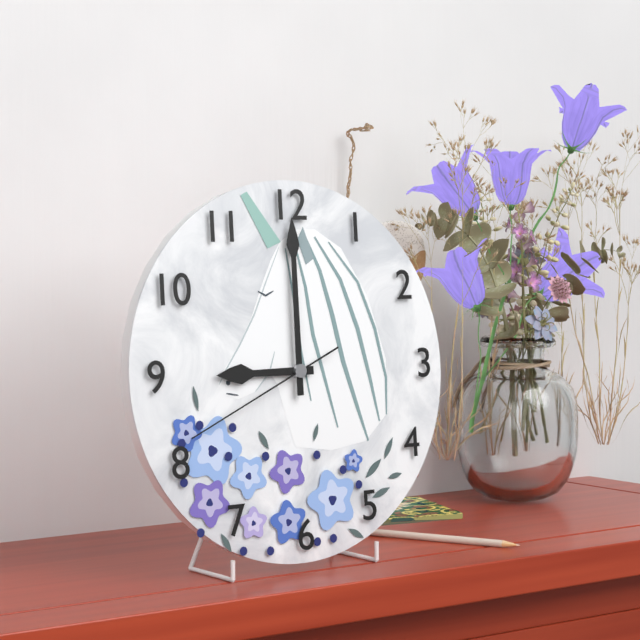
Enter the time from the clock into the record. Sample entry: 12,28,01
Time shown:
9,00,41
